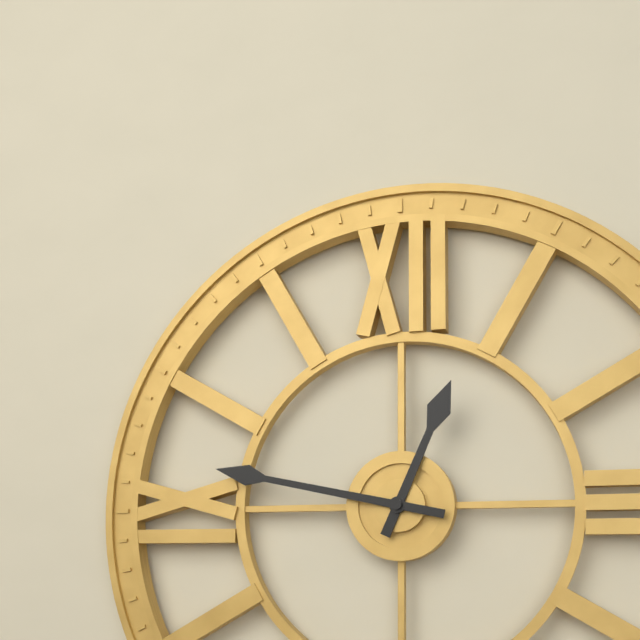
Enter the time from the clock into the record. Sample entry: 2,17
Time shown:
12,47
